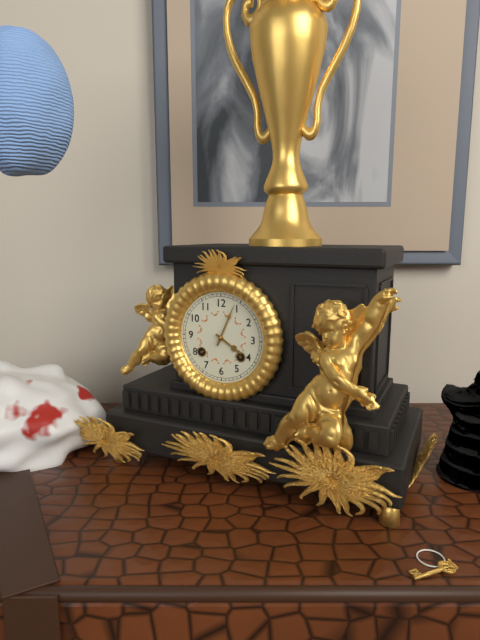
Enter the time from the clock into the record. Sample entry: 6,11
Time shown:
4,04
